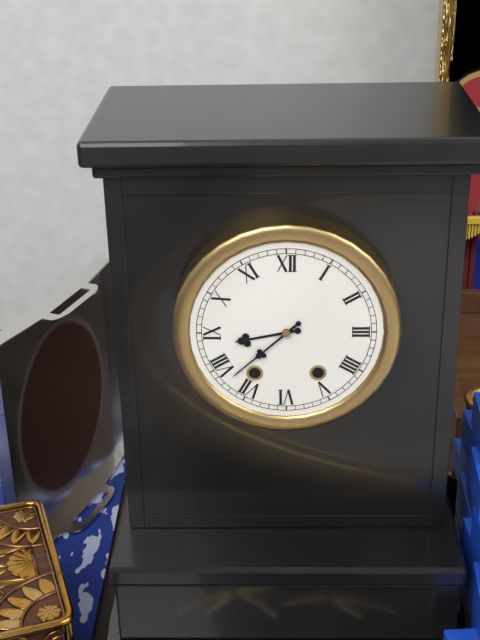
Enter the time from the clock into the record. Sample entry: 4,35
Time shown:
8,38
